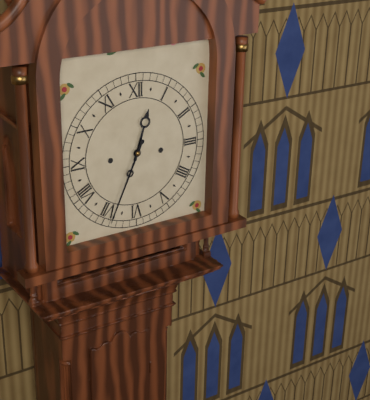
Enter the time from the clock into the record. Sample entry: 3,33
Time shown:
12,34
